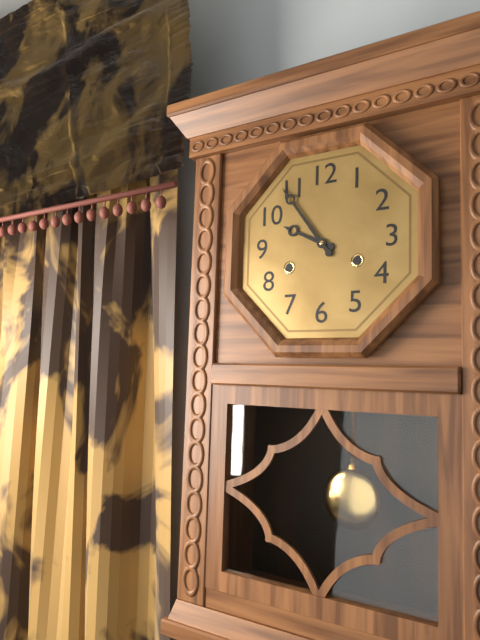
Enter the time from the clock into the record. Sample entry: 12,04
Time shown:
9,54
